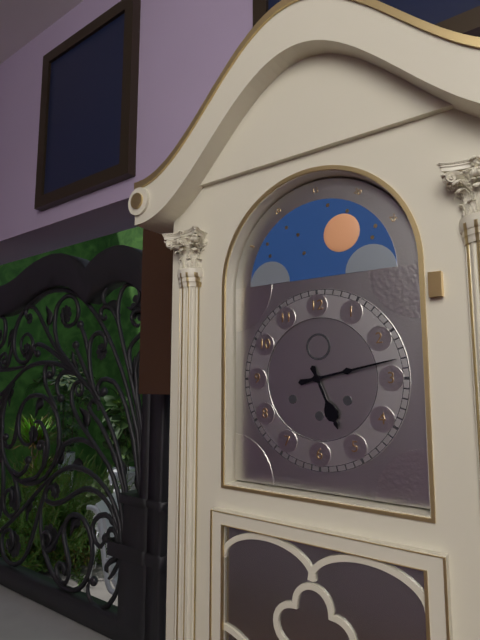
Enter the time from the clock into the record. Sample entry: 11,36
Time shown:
5,13
